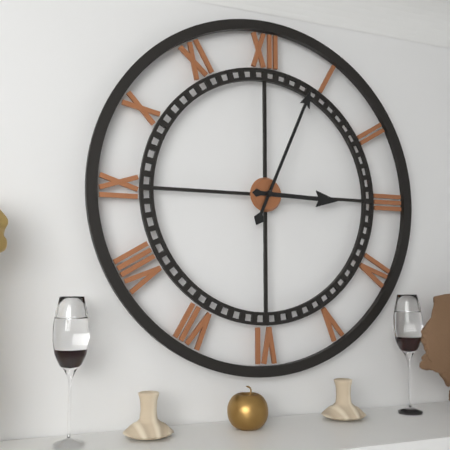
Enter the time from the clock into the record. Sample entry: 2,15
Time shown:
3,04
